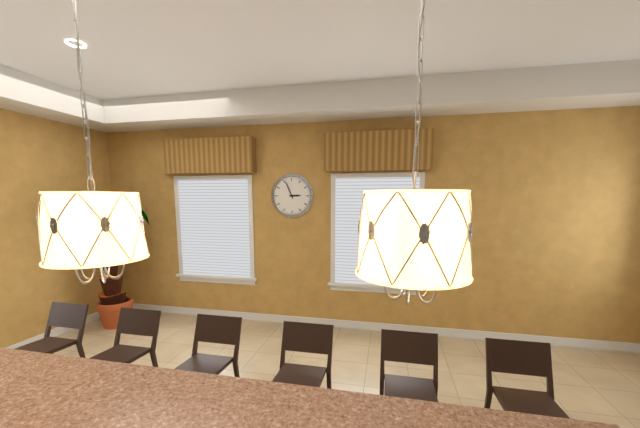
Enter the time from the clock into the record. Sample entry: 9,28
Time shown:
2,56
